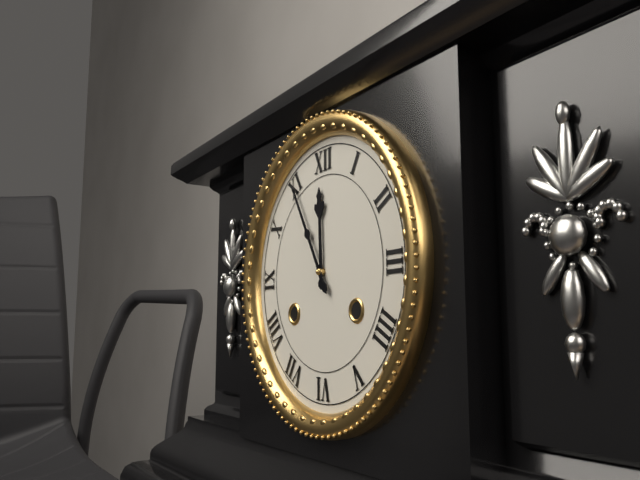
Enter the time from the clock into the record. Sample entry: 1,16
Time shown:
11,55
